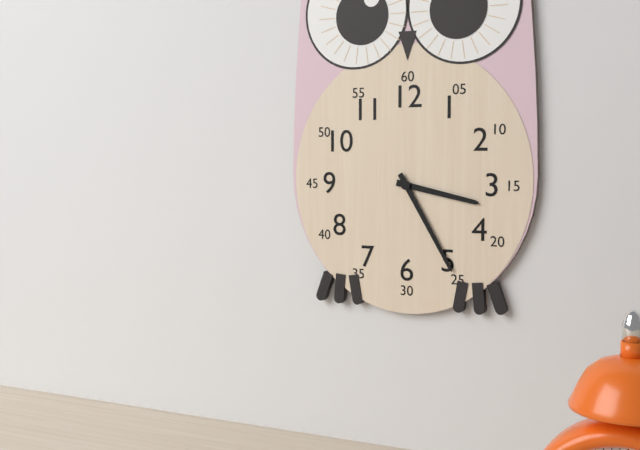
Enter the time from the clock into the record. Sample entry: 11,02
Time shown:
3,25
